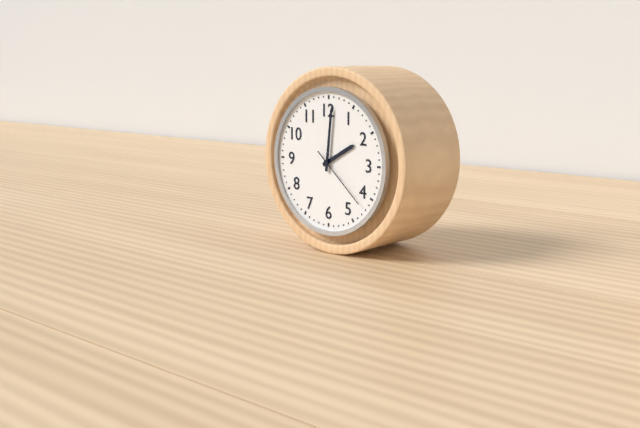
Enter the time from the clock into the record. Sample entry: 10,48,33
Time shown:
2,01,22
